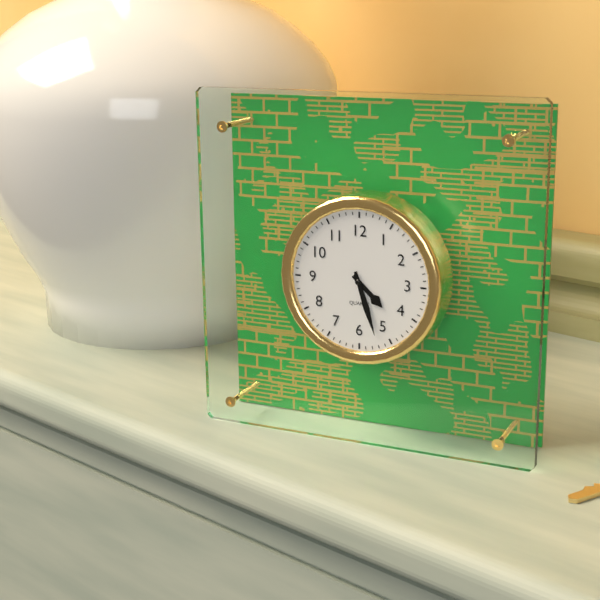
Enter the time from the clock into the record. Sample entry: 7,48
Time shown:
4,27
